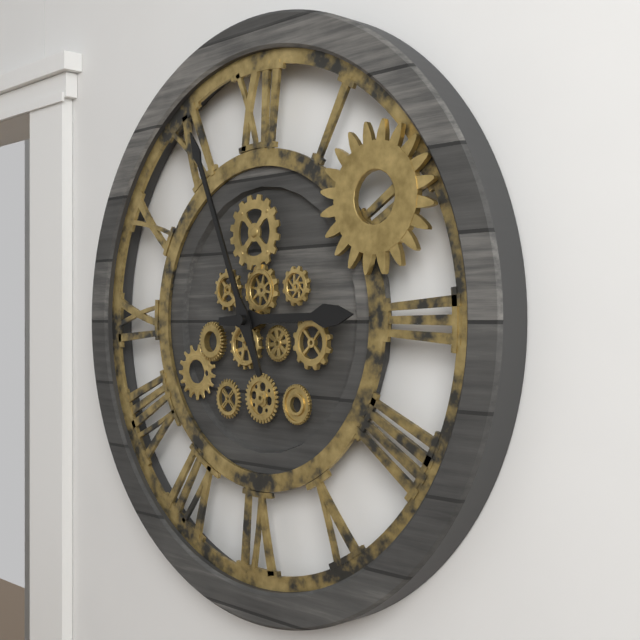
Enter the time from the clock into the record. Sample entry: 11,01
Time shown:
2,56
